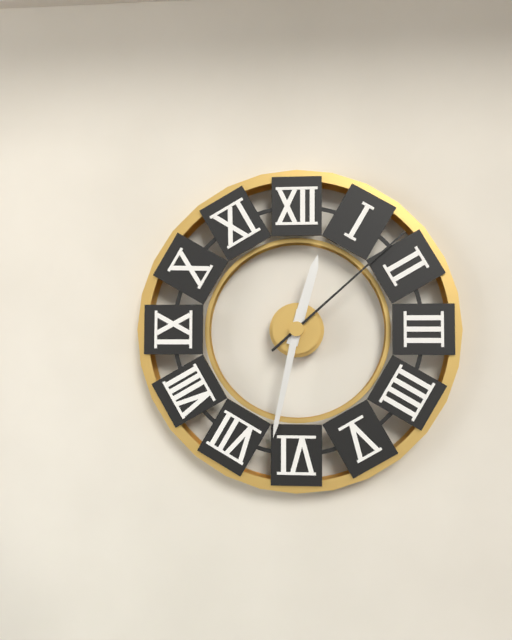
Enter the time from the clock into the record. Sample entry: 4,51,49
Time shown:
12,32,08
